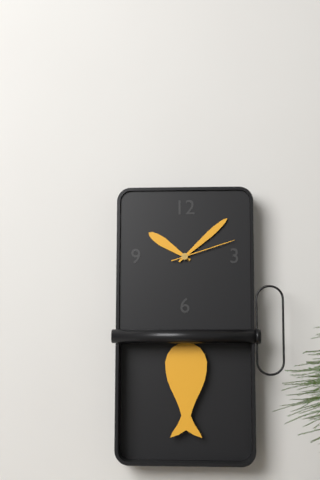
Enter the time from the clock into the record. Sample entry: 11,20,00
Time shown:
10,08,12
